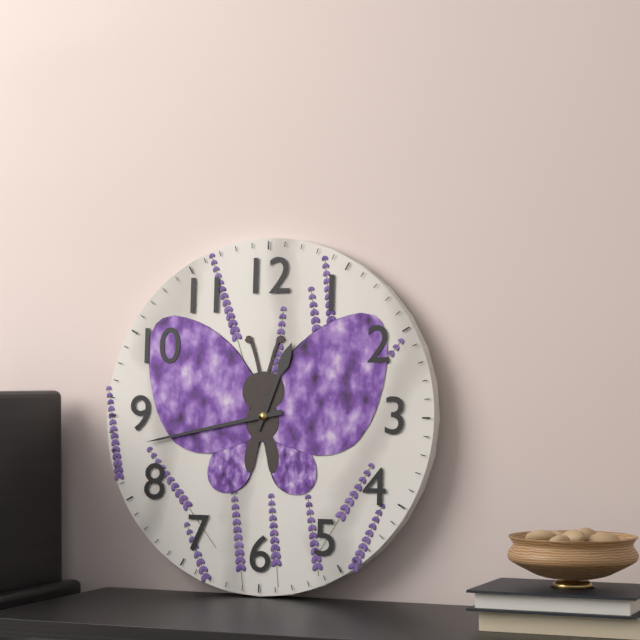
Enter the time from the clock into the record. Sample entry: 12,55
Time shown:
12,43
